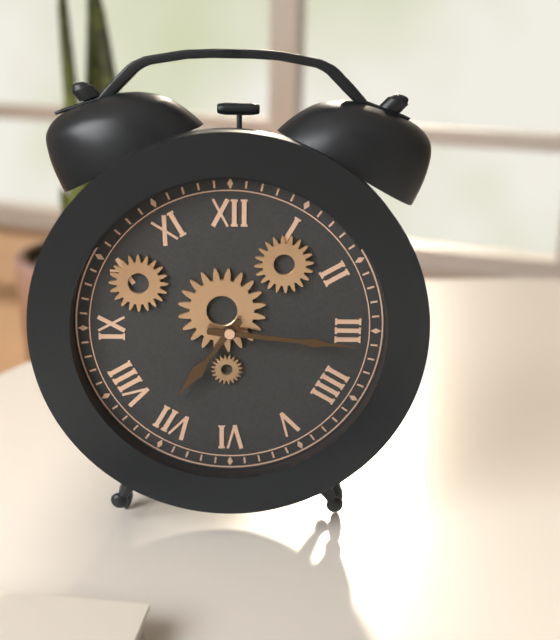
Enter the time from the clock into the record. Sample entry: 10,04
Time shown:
7,16
